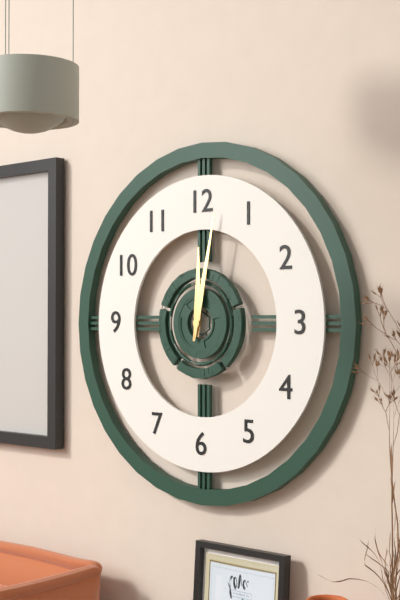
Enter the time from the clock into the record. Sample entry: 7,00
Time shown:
12,02
